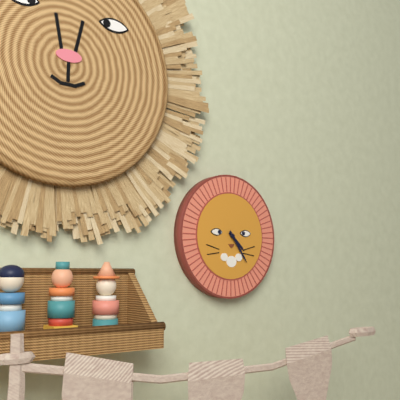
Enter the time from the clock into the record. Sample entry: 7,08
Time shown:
4,24
